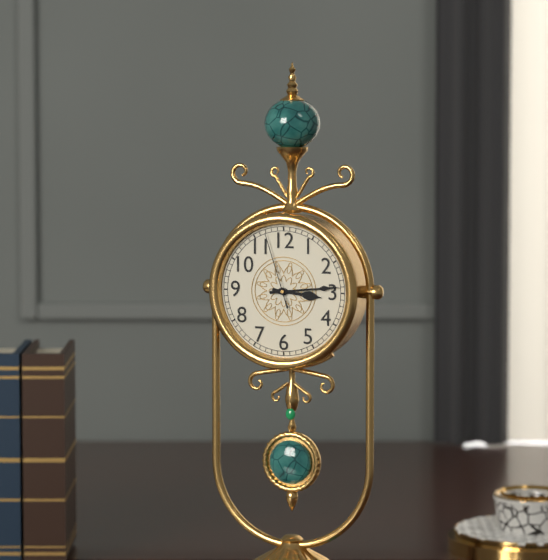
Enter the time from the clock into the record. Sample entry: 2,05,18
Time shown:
3,14,57
